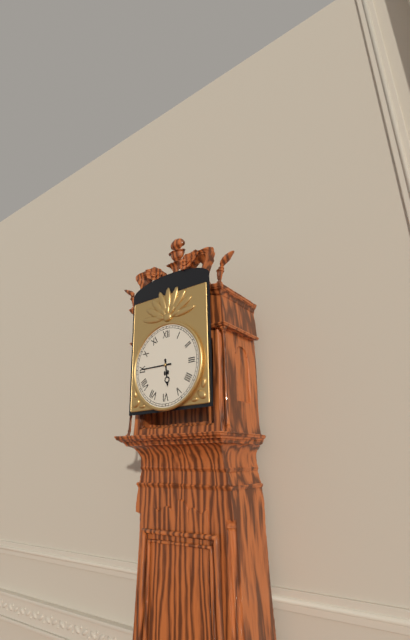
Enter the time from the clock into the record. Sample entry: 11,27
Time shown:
5,45
